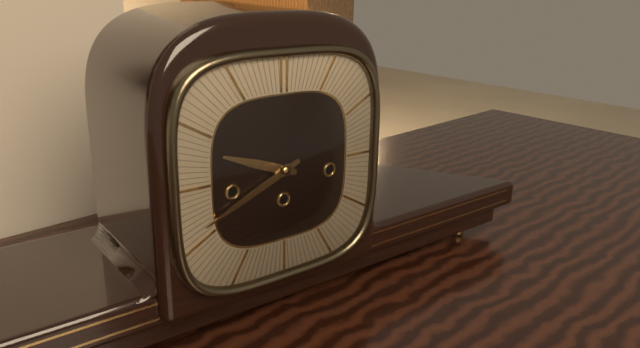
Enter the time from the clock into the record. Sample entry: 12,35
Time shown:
9,41
